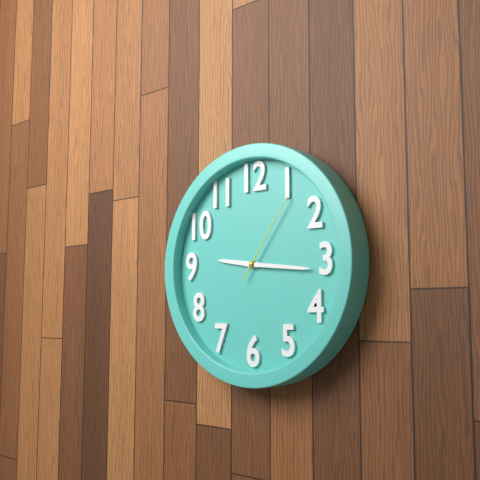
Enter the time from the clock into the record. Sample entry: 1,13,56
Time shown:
9,16,06
